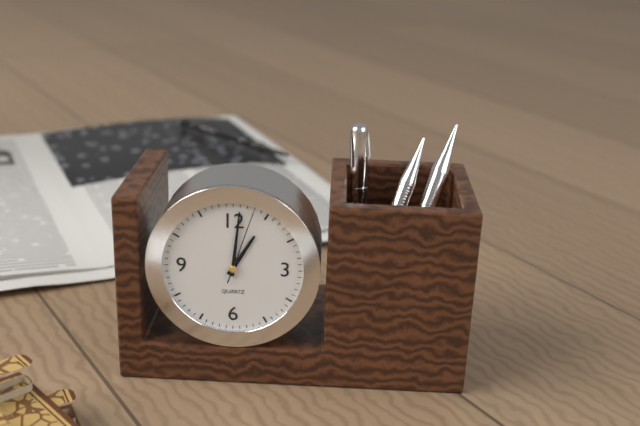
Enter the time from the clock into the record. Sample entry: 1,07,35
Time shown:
1,01,03
